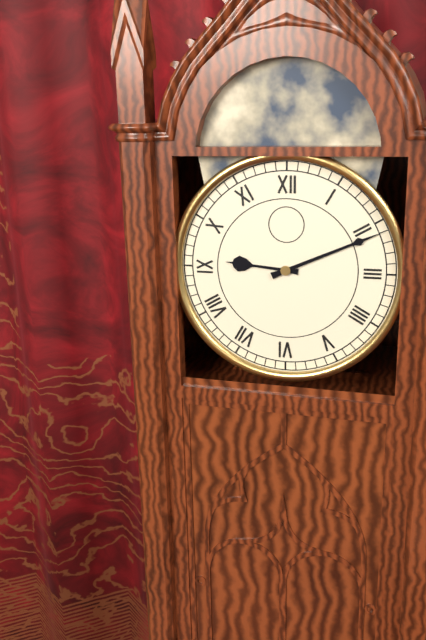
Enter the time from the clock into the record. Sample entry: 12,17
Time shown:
9,11
